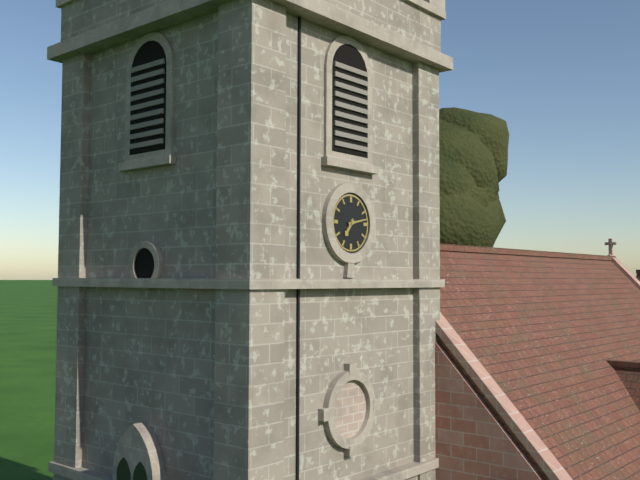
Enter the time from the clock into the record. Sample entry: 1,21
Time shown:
7,13
